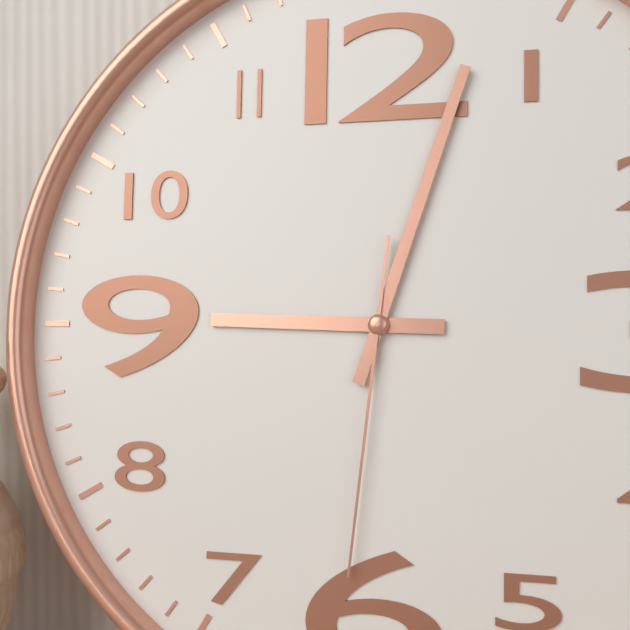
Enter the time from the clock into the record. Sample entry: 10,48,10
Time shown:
9,03,31
